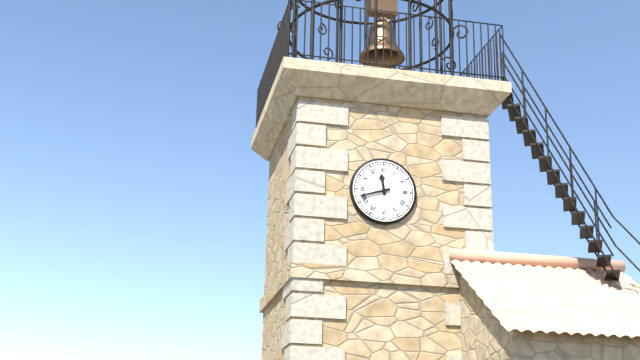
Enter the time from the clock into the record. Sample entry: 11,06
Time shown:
11,42
